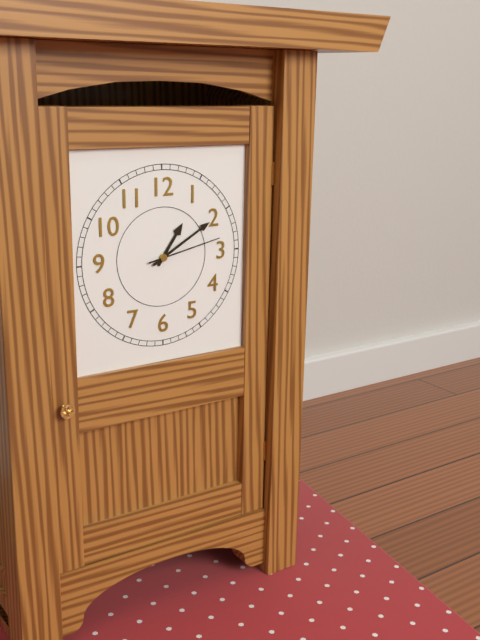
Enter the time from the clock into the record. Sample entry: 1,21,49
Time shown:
1,10,13
